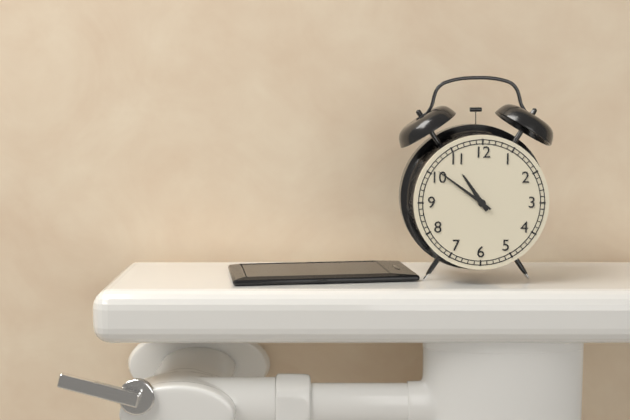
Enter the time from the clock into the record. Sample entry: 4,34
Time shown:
10,51
